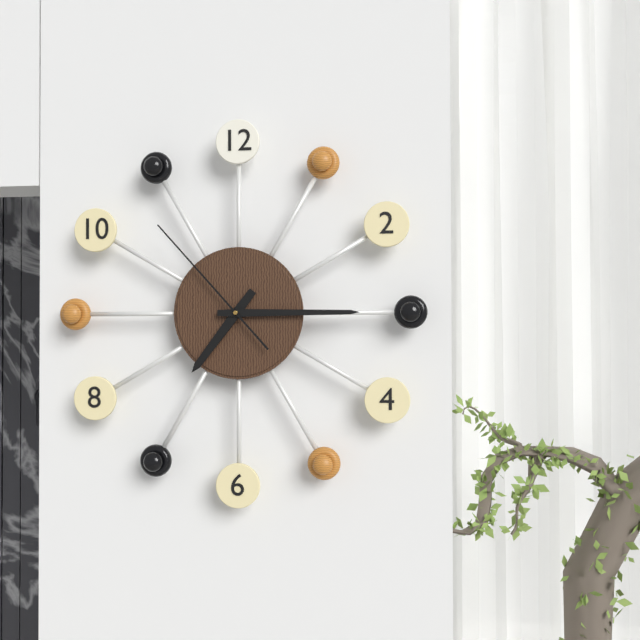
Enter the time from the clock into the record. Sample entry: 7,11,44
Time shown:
7,15,53
